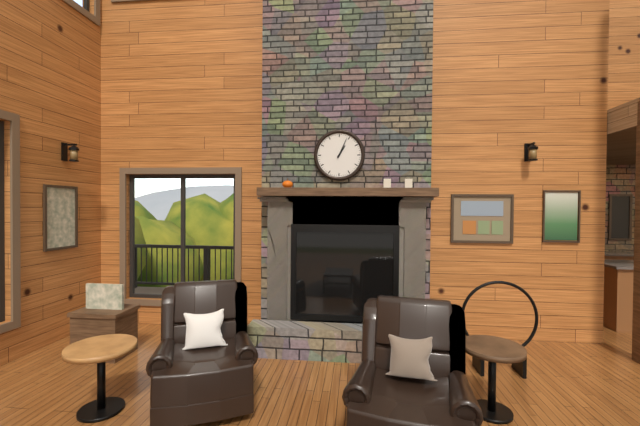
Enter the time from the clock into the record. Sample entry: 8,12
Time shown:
1,04
